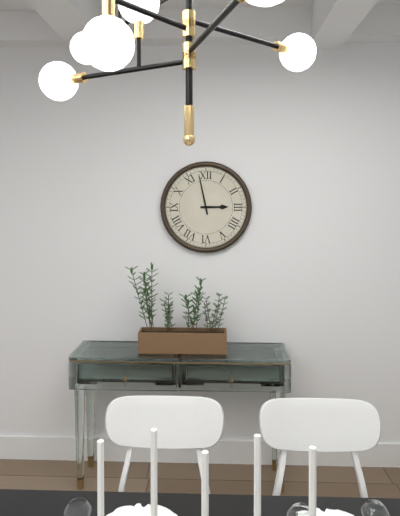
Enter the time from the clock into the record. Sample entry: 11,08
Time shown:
2,58
